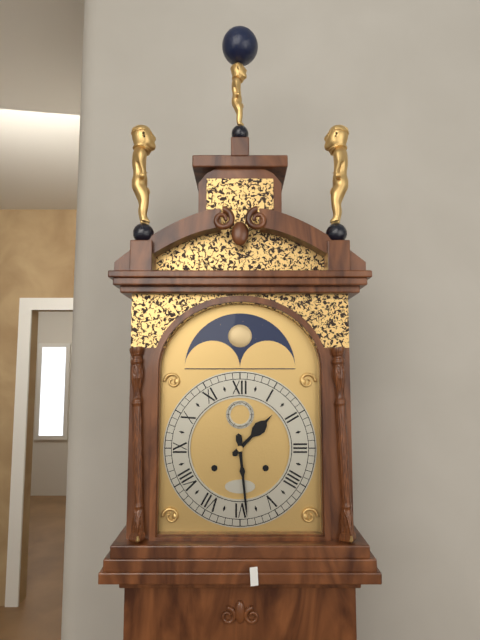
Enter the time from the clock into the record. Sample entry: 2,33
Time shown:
1,29
